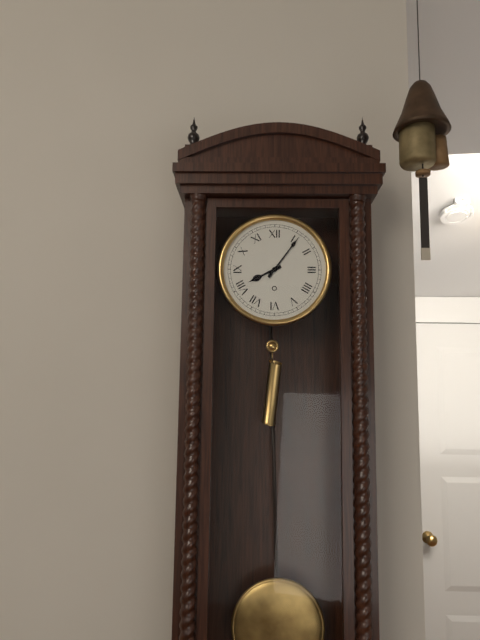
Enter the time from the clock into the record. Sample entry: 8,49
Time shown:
8,06
